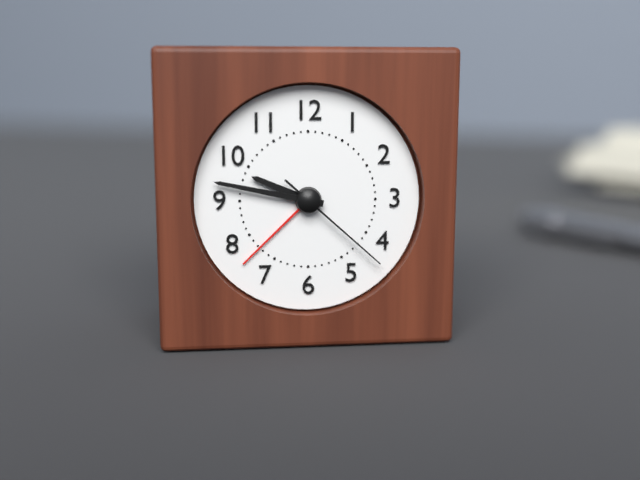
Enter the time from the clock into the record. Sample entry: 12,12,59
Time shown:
9,47,22
